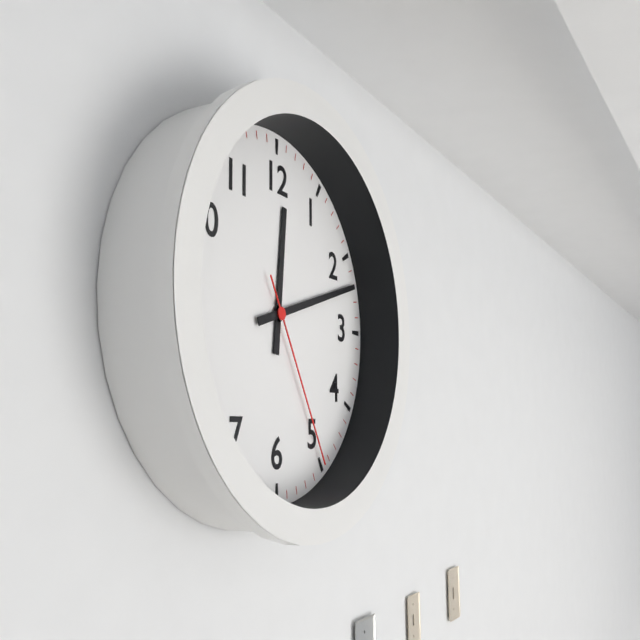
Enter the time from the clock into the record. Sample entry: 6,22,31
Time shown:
12,12,25
